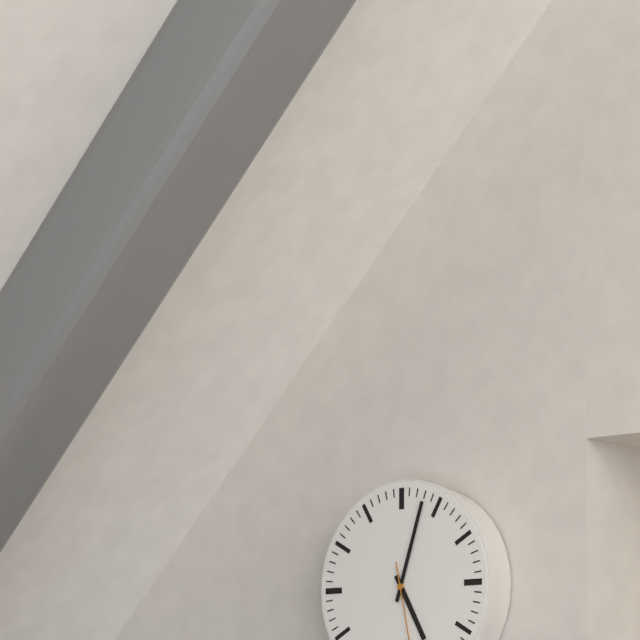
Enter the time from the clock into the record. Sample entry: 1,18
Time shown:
5,03
